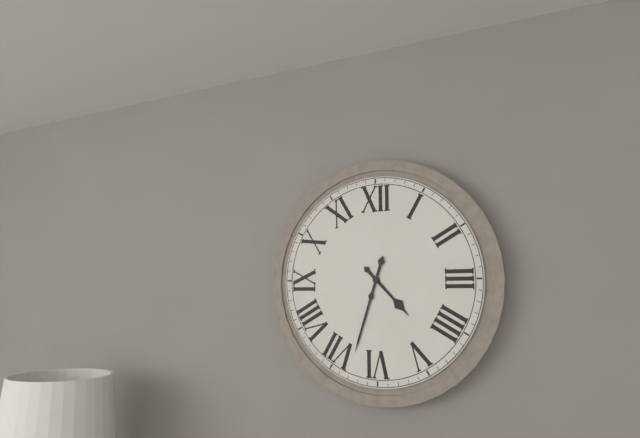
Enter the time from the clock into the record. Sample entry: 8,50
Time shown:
4,33
